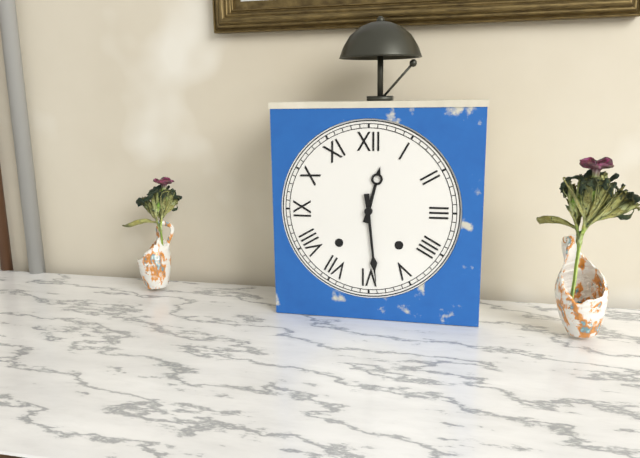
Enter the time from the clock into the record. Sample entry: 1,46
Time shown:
12,29
